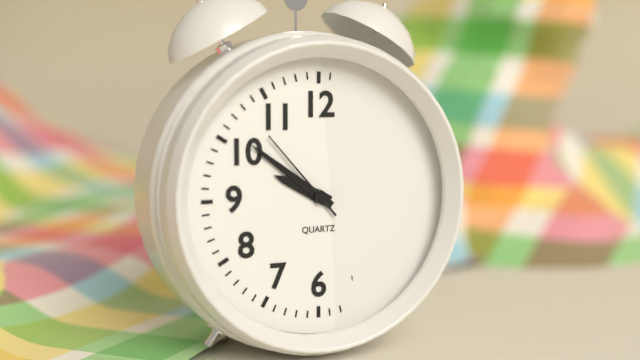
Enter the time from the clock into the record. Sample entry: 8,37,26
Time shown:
9,51,53
